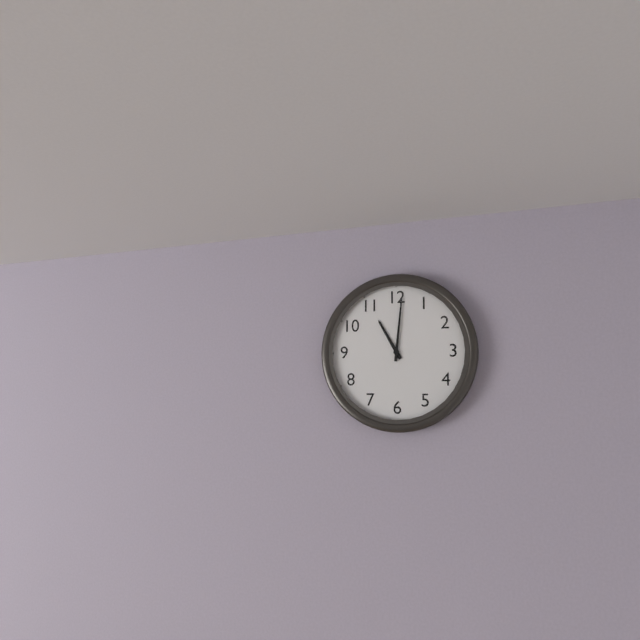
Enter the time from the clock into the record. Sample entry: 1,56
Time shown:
11,01
